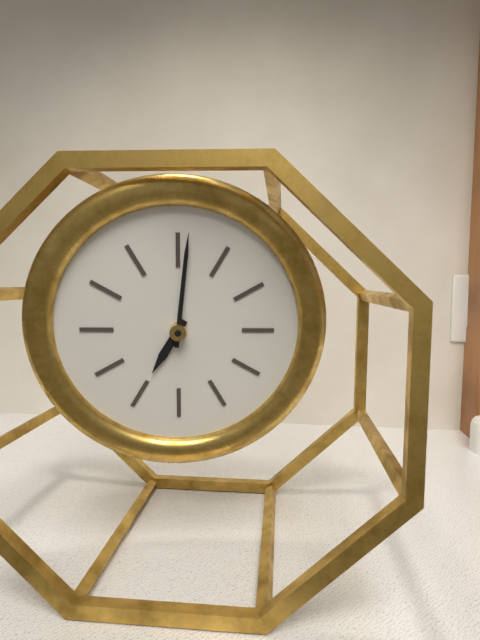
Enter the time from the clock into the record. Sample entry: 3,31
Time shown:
7,01
